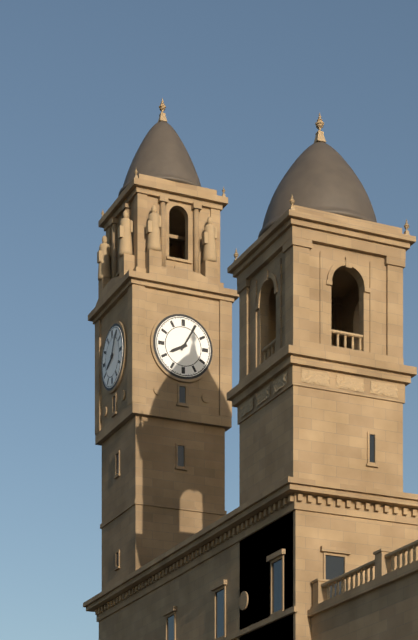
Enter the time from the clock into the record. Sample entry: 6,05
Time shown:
8,05
